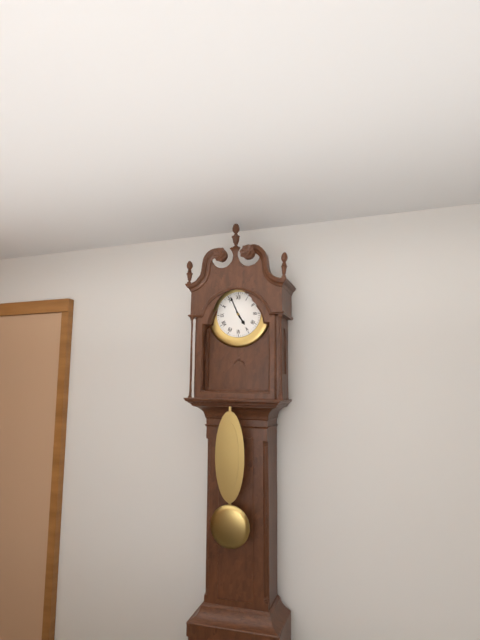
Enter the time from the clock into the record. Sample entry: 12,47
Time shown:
4,56
